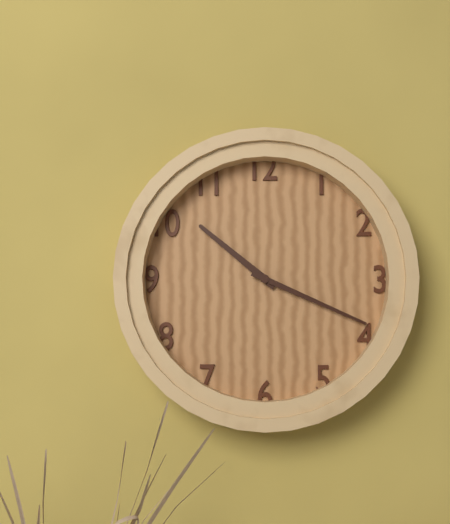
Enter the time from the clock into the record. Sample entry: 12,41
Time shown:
10,19
